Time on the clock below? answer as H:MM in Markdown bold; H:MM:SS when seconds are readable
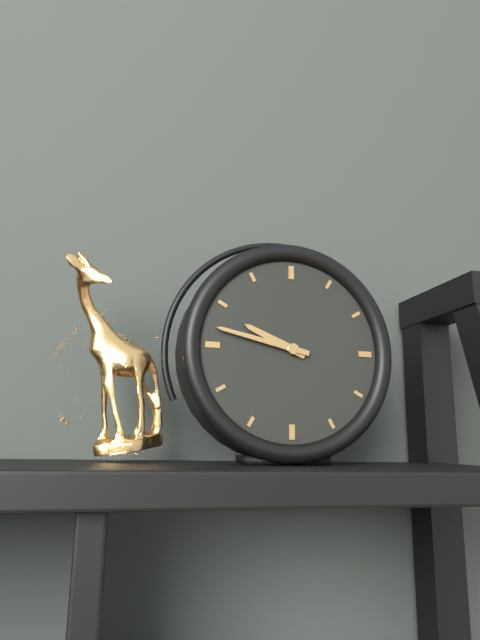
**9:47**
